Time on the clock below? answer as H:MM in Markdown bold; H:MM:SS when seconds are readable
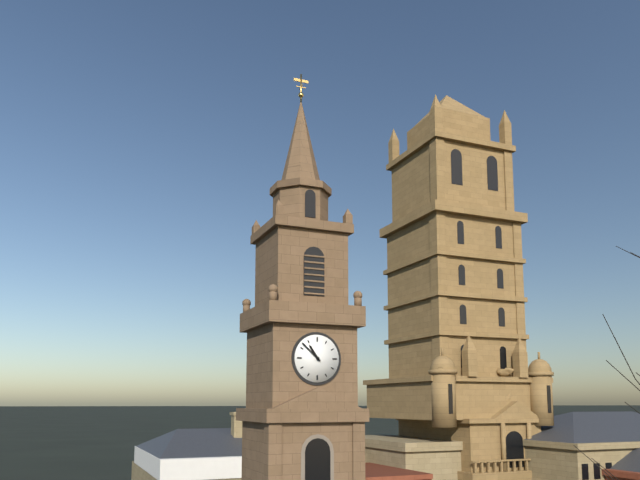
**10:52**
